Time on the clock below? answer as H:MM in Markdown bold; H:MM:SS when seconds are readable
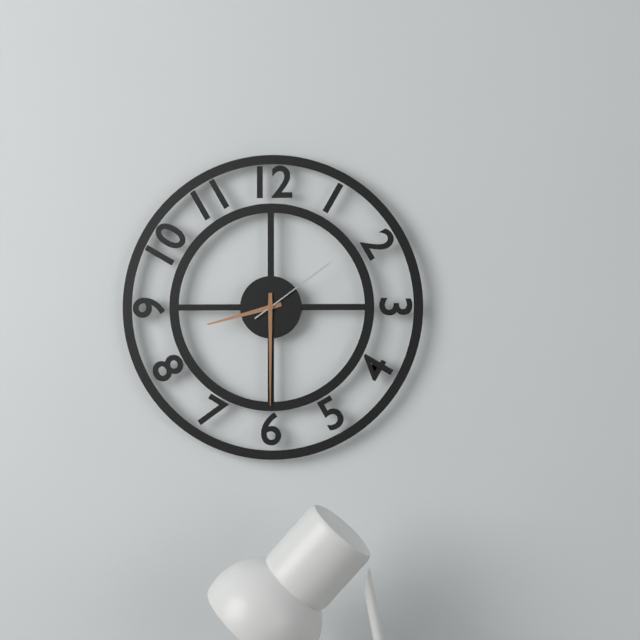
**8:30:09**
